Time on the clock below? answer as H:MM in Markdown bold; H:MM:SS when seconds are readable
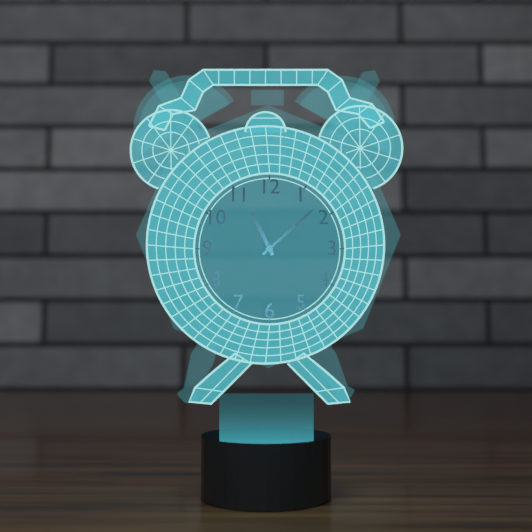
**11:08**
